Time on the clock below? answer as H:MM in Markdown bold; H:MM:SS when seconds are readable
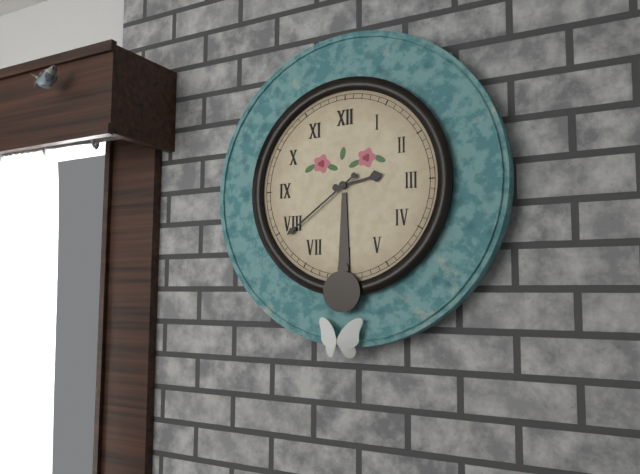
**2:39**
